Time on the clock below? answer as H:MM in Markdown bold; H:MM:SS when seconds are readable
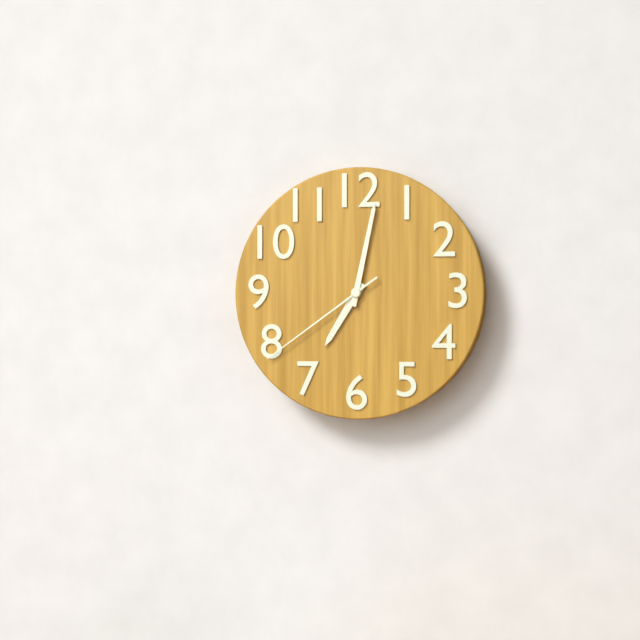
**7:02:39**
